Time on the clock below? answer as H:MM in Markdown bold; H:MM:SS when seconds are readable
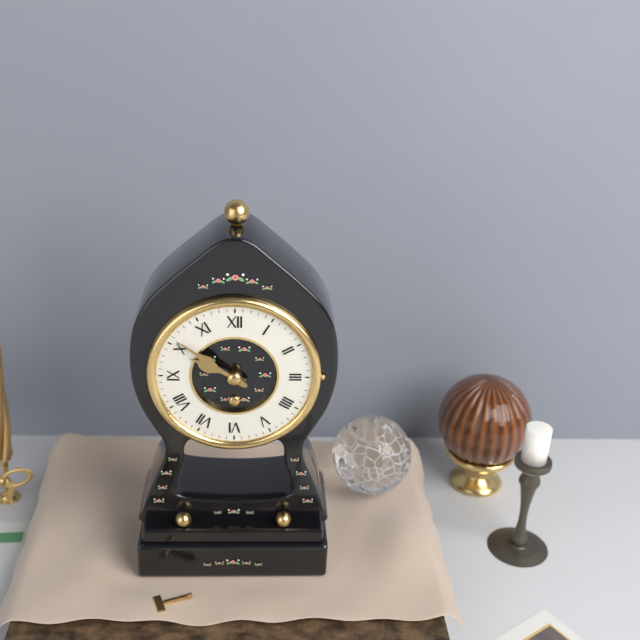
**9:51**
